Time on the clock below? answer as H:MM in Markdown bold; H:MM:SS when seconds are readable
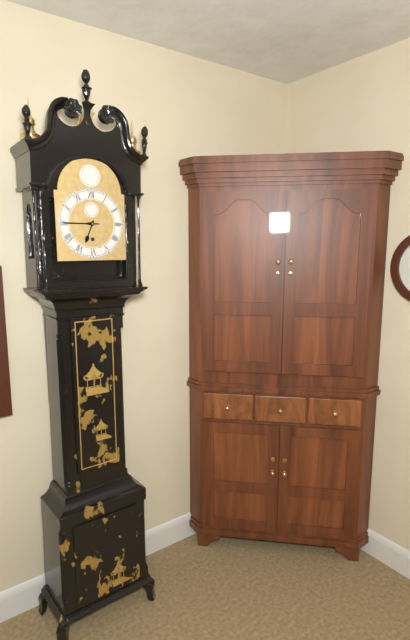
**6:45**
